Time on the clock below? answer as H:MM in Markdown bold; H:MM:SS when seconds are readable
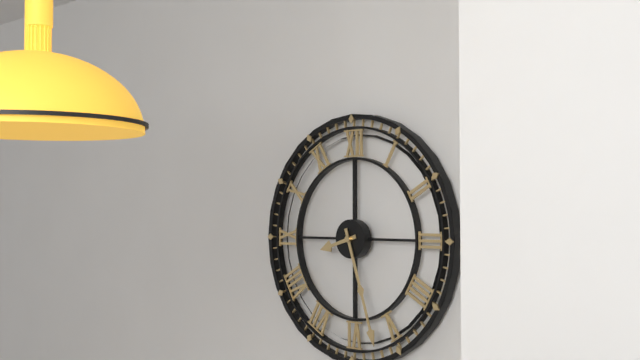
**8:27**
